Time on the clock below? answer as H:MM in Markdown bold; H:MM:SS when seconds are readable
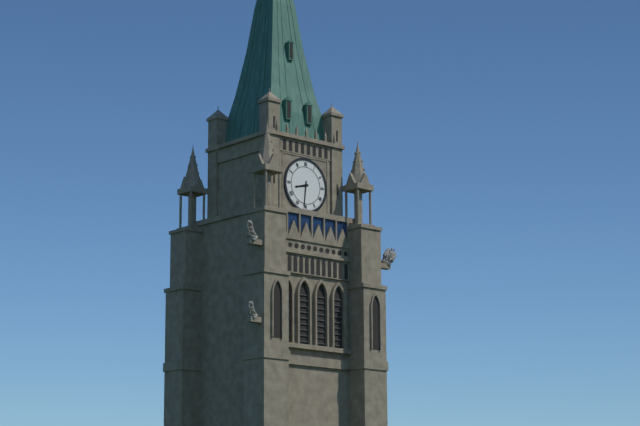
**8:31**
